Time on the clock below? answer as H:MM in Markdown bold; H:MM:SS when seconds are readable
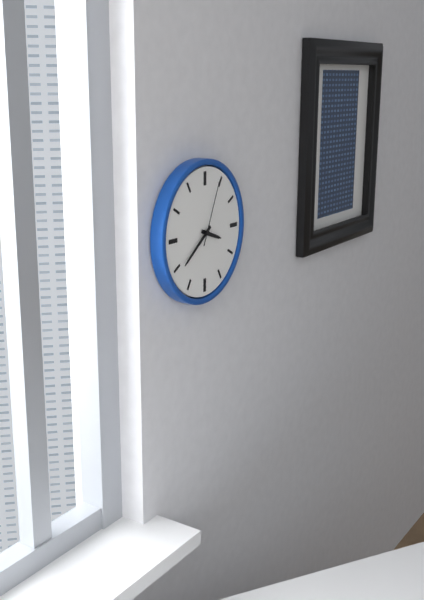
**3:39:04**
